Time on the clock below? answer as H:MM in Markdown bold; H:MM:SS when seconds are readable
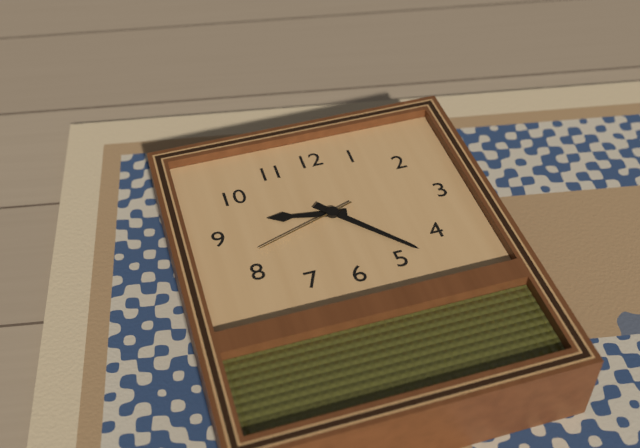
**9:23:42**
